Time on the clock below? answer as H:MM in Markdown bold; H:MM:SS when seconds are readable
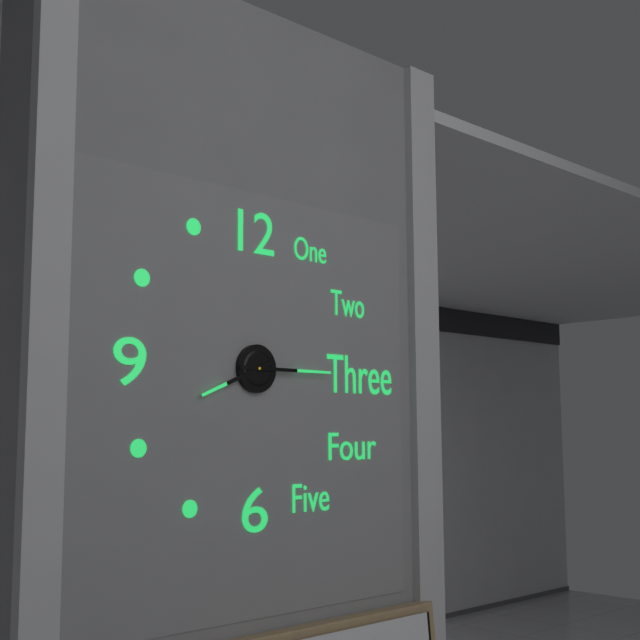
**8:15**
